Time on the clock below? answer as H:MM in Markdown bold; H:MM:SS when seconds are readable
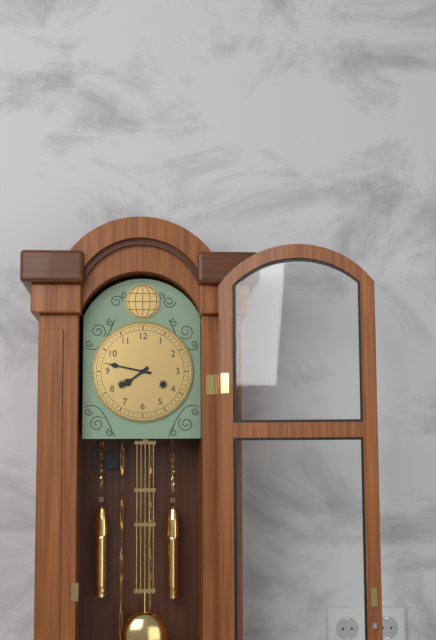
**7:47**
